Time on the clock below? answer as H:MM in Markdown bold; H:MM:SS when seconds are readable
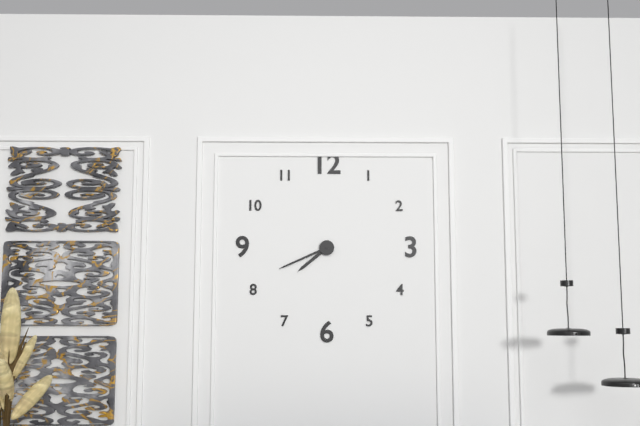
**7:41**
